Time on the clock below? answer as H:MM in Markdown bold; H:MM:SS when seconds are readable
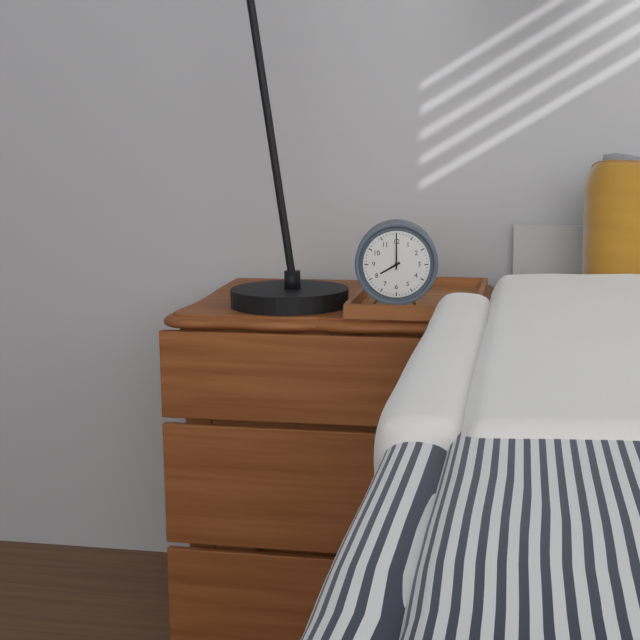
**8:00**
